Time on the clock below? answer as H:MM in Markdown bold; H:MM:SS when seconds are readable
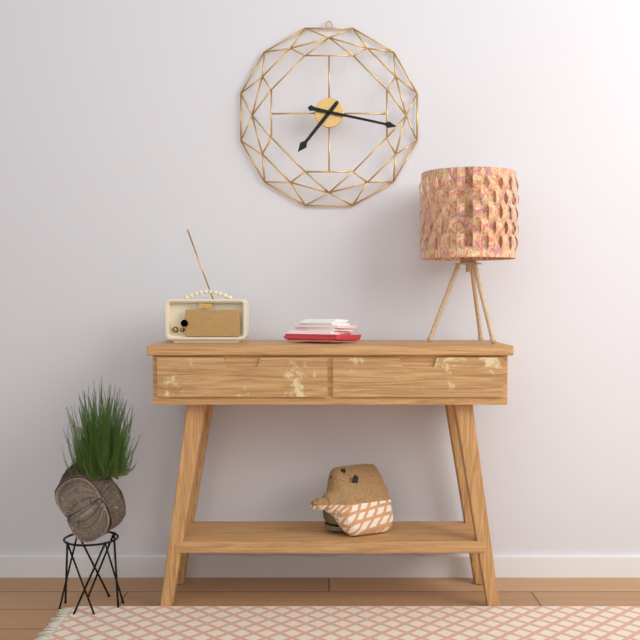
**7:17**
